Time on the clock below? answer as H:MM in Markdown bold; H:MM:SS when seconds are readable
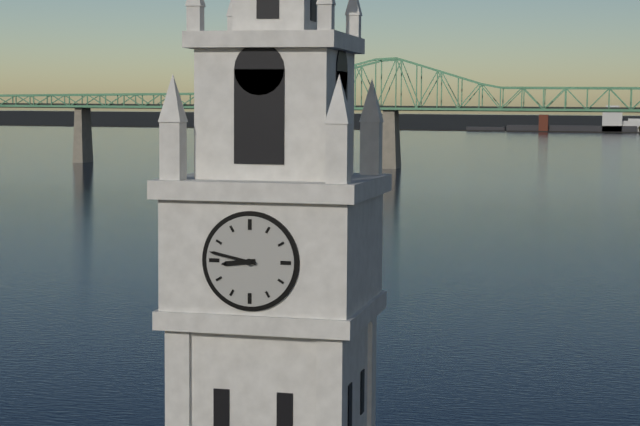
**8:47**
